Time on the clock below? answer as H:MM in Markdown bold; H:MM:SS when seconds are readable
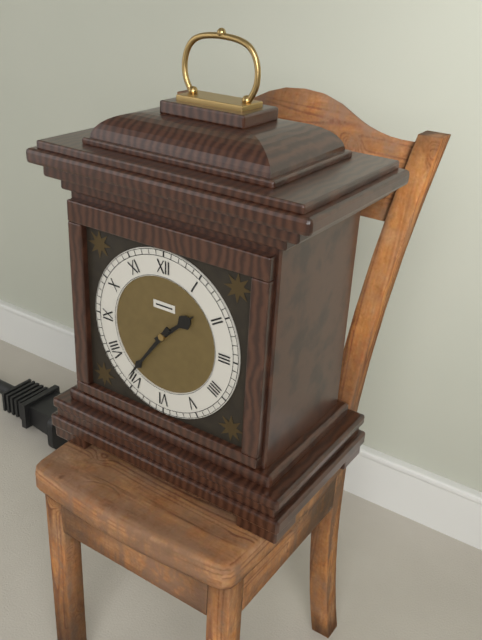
**1:36**
